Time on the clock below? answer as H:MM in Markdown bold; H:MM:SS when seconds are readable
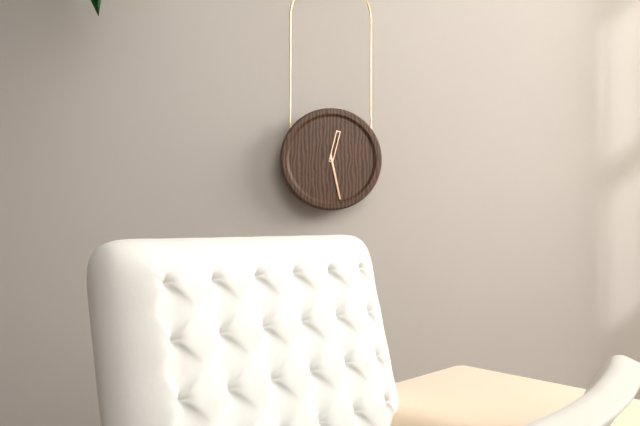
**12:28**
